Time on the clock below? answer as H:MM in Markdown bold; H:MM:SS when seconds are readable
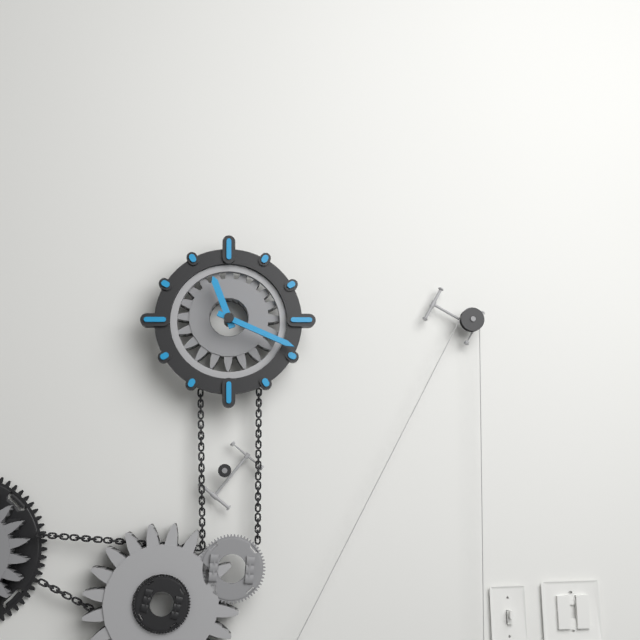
**11:19**
